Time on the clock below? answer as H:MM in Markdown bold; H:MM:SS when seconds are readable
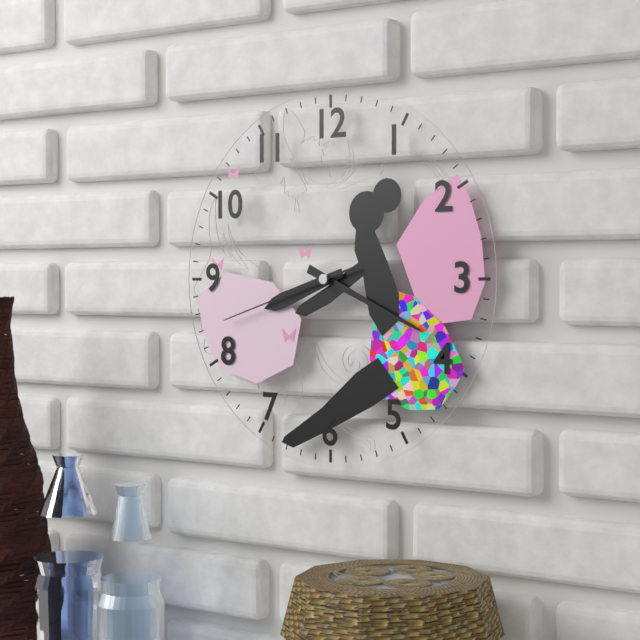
**8:19:42**
